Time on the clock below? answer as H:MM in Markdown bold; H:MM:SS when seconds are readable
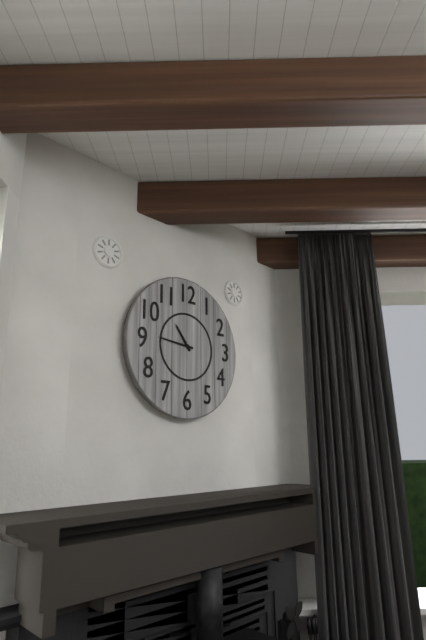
**10:46**
